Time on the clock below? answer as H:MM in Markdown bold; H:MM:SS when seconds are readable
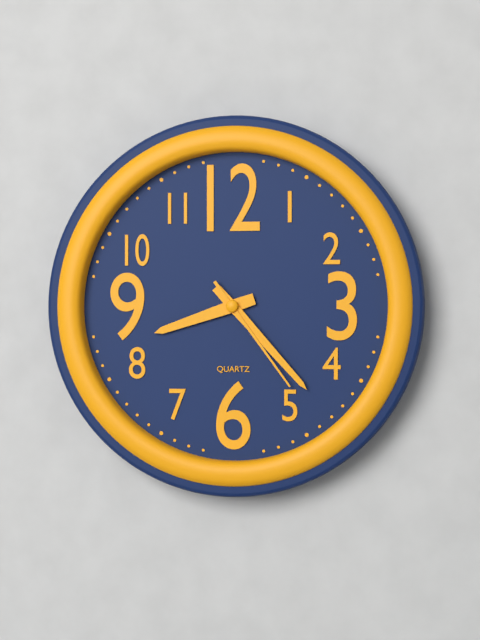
**8:23:24**
